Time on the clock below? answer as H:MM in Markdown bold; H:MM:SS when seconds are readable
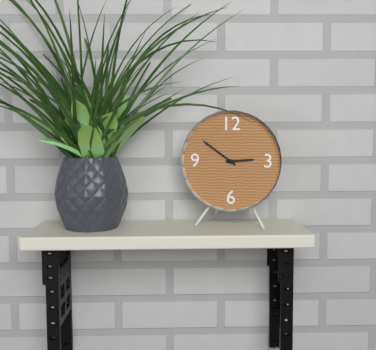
**2:51**
